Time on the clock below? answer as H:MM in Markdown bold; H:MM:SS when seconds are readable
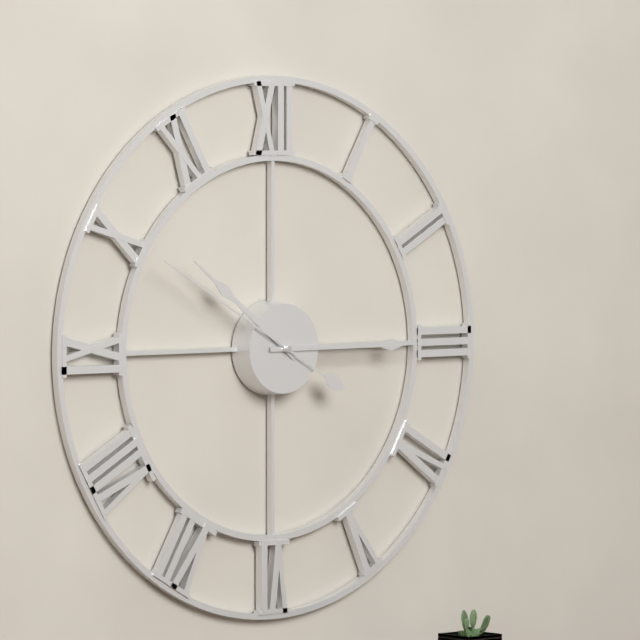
**10:15:50**
